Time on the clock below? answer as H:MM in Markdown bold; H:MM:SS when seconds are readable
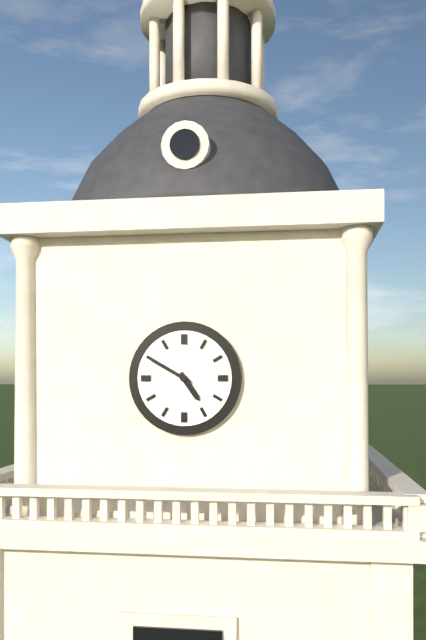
**4:50**
